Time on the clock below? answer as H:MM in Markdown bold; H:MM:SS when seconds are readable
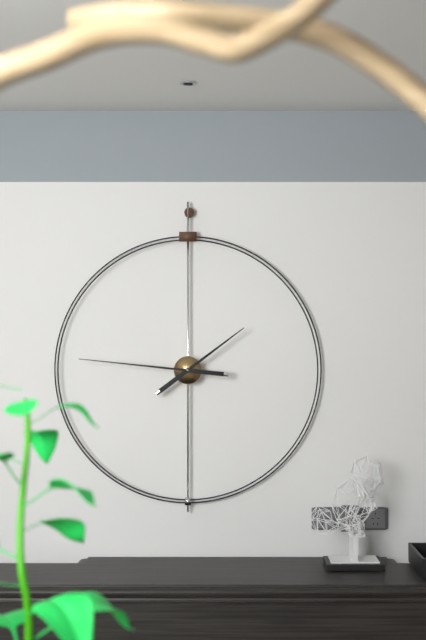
**1:46**
